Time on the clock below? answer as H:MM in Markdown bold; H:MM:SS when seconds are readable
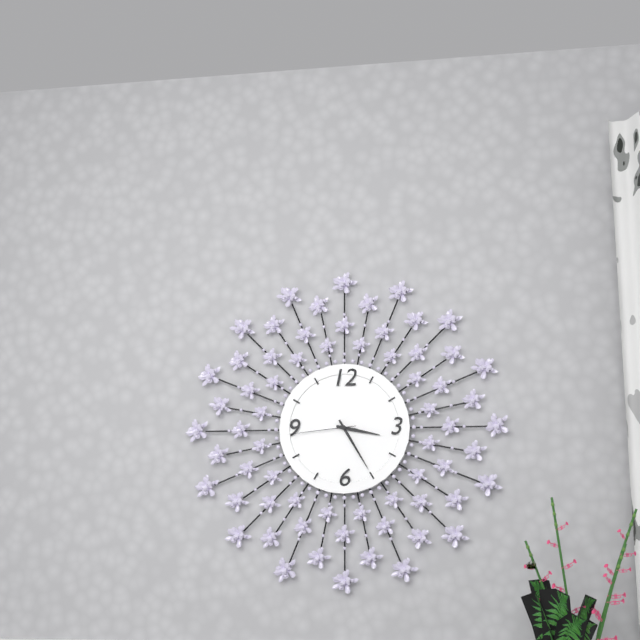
**3:25:44**
